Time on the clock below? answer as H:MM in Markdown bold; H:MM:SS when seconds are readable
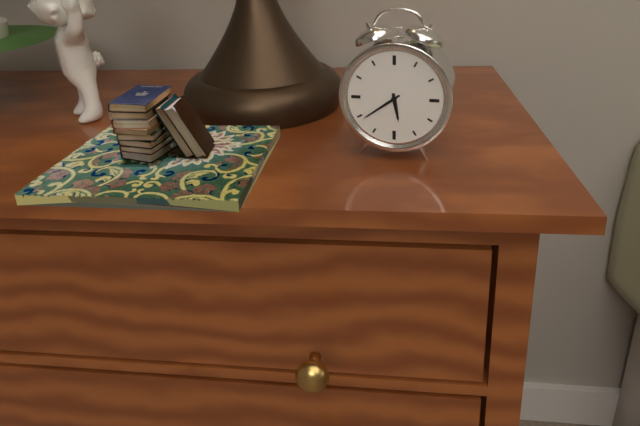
**5:39**
